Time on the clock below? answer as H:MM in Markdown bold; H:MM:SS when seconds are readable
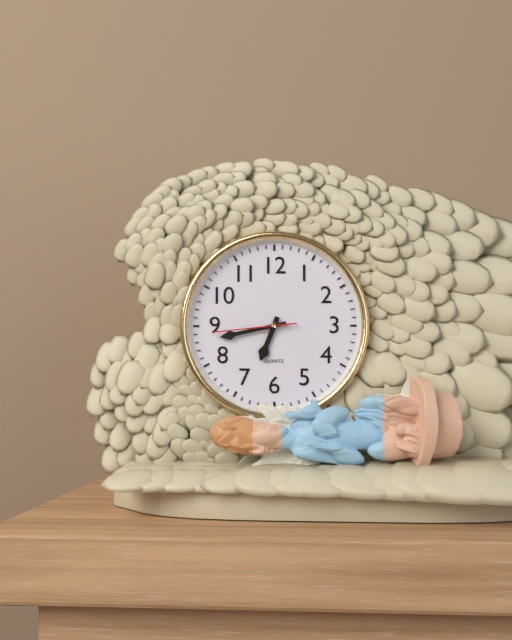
**6:43:44**
